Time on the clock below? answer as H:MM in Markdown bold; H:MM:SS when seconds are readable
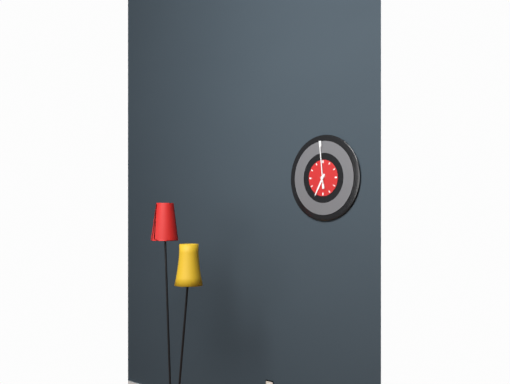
**6:59**
